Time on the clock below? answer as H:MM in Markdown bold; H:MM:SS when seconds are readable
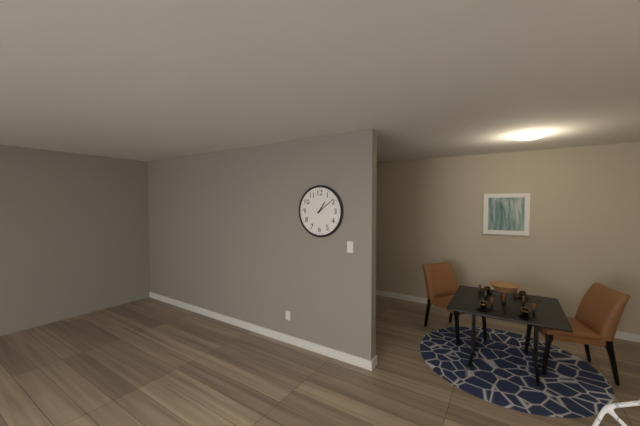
**1:09**
